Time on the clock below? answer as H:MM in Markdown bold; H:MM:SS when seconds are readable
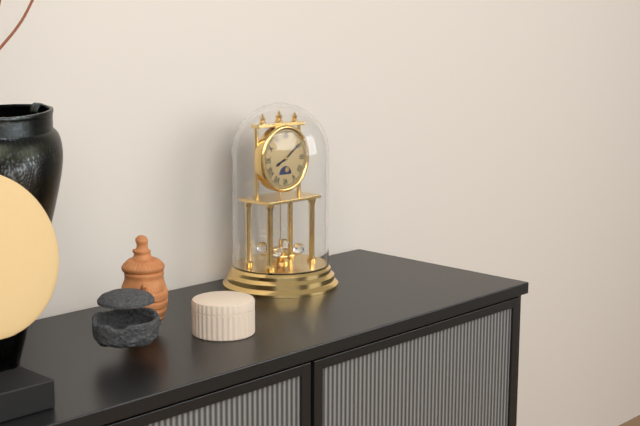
**8:09**
